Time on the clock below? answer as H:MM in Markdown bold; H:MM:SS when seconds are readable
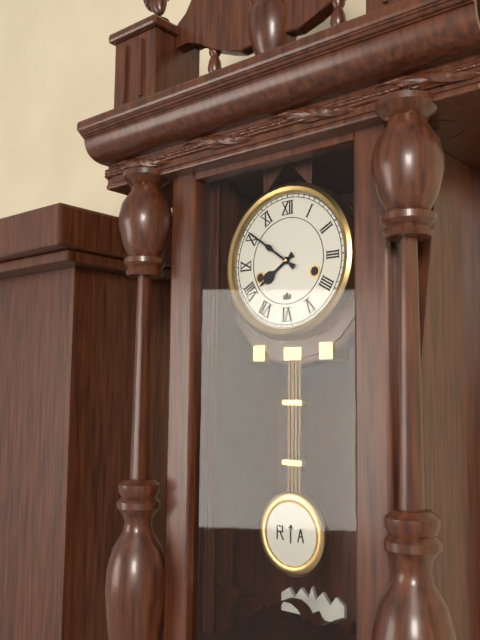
**7:51**
